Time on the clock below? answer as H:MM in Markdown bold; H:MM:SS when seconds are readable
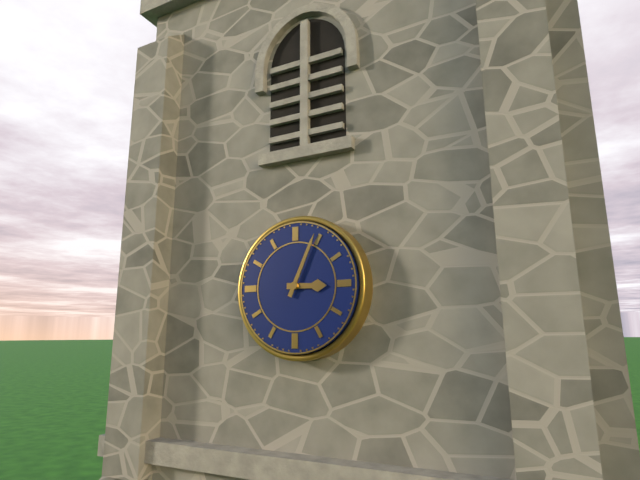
**3:04**
